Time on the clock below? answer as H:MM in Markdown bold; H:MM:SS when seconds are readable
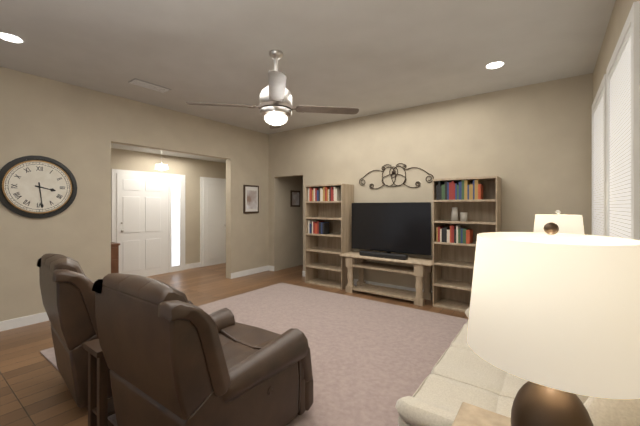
**3:29**
